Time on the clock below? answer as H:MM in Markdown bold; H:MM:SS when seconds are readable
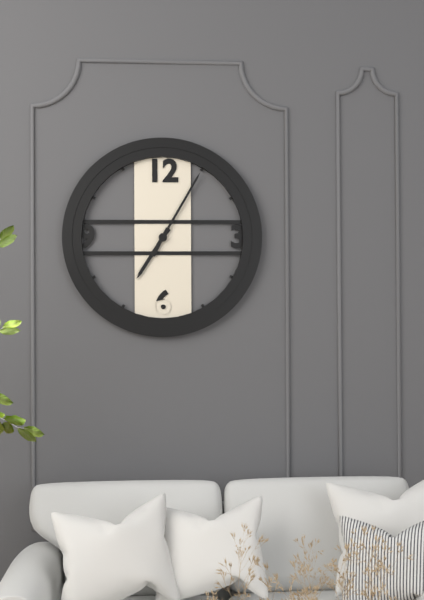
**7:05**
